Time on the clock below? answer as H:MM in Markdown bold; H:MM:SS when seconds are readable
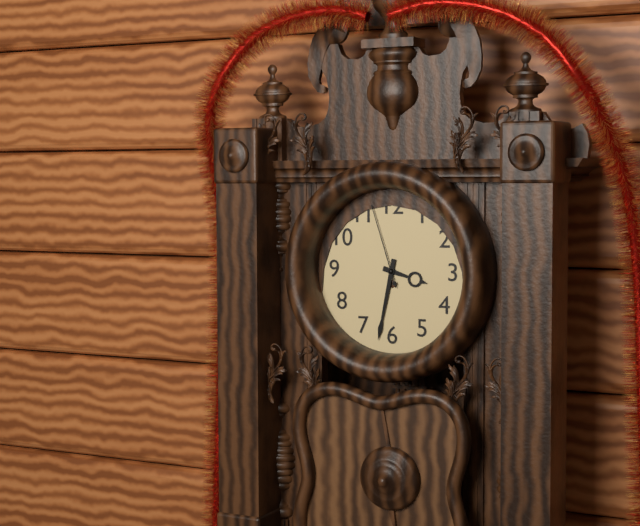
**3:32:57**
